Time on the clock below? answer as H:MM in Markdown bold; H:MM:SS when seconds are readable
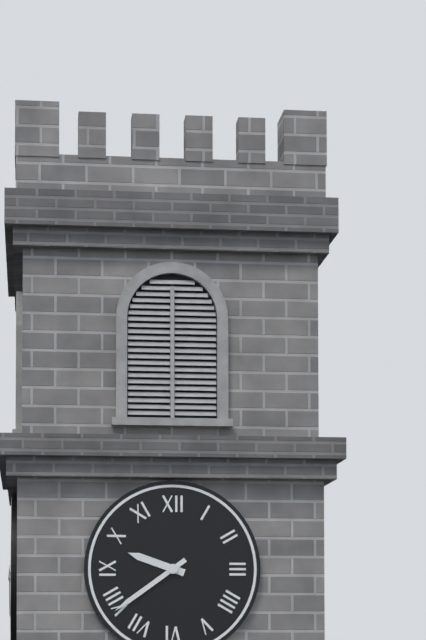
**9:39**
